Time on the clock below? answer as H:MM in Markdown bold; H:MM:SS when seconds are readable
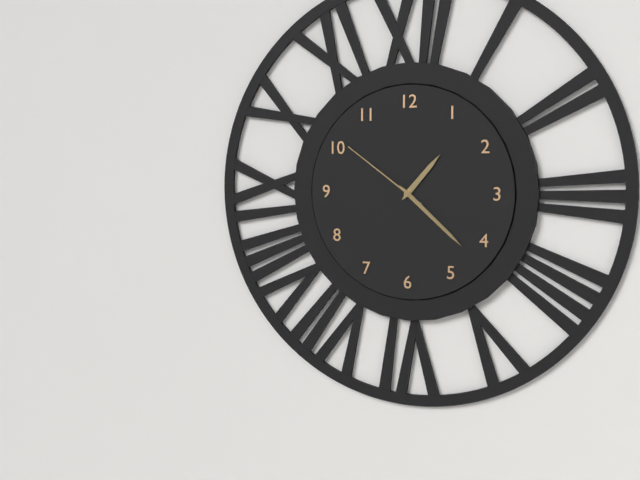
**1:22:51**
